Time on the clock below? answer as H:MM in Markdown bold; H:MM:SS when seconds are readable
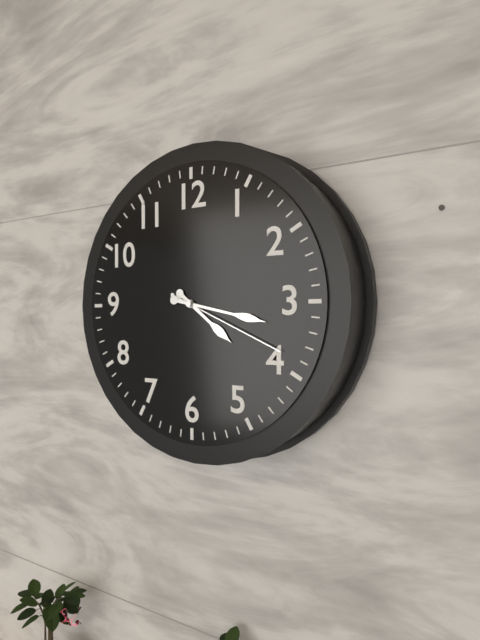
**4:17:19**
